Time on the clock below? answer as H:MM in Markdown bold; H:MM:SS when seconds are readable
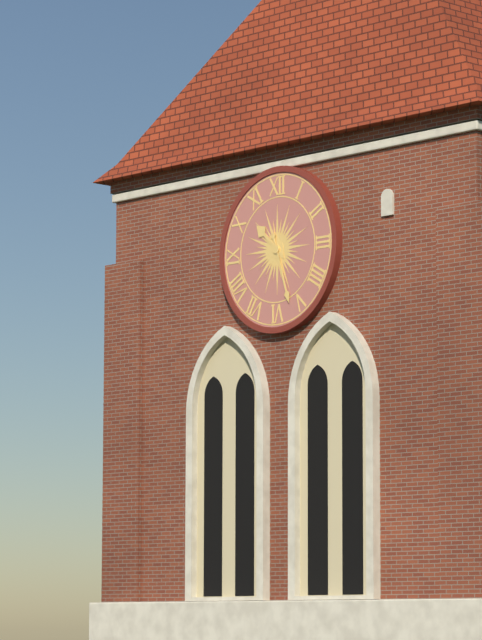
**10:27**
